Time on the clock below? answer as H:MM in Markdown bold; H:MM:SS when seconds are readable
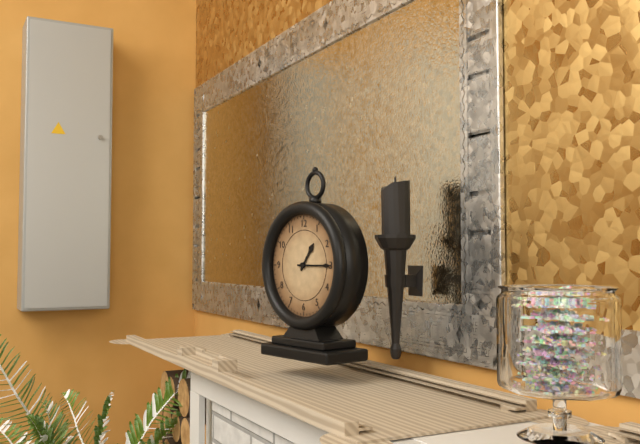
**1:15**
